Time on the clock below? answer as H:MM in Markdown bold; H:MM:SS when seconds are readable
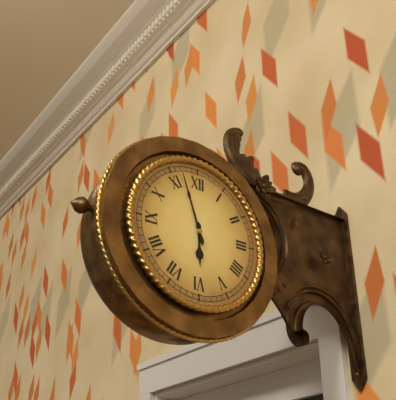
**5:57**
